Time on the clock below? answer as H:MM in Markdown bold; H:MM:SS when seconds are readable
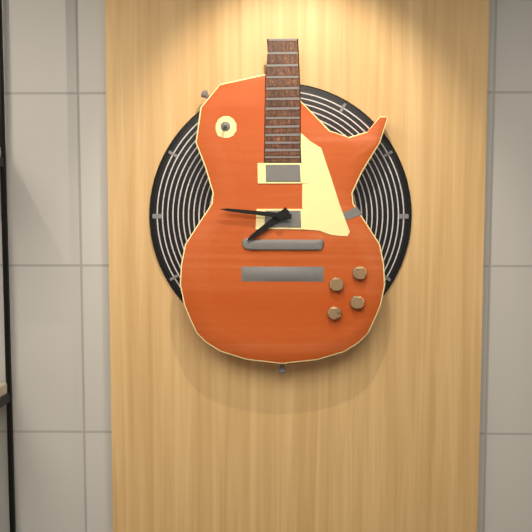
**7:46**
